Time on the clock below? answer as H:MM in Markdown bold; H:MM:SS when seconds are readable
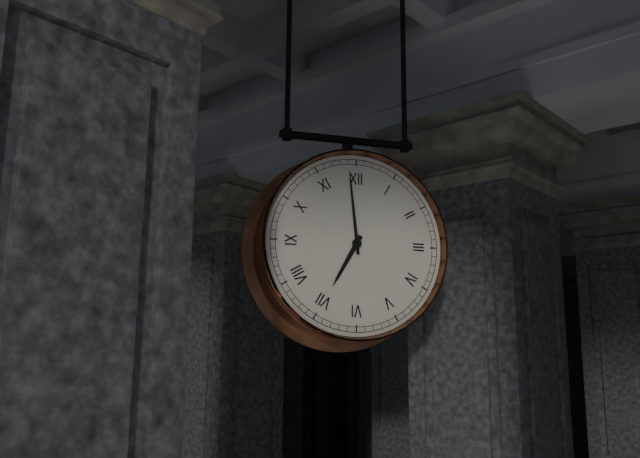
**6:59**
